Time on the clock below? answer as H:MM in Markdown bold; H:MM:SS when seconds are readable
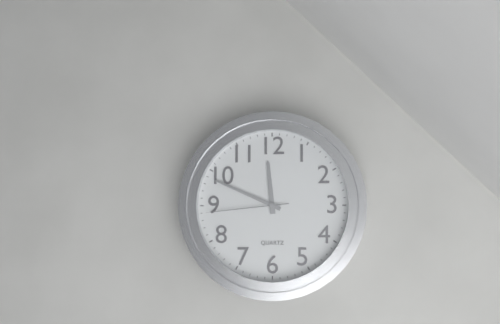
**11:49:44**
